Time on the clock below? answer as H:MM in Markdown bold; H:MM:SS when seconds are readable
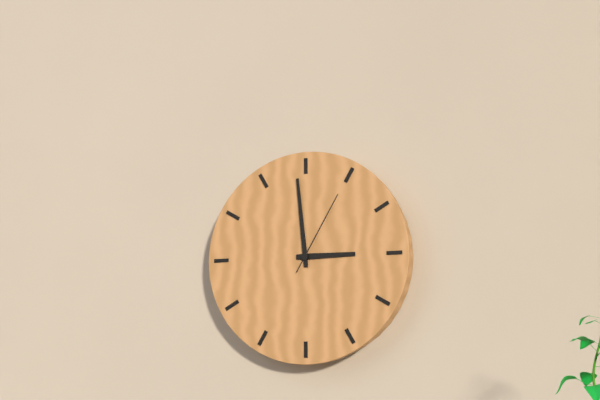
**2:59:05**
